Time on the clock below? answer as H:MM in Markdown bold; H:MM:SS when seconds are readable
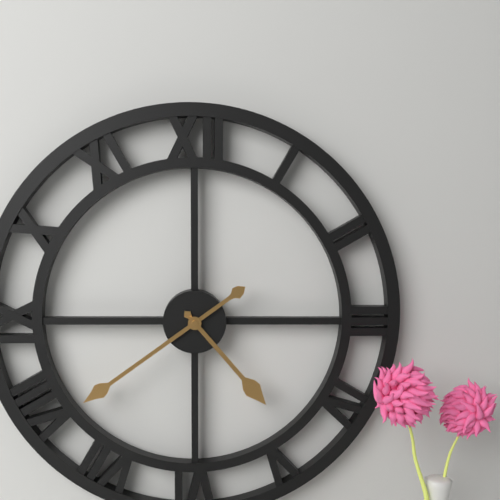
**4:39**
